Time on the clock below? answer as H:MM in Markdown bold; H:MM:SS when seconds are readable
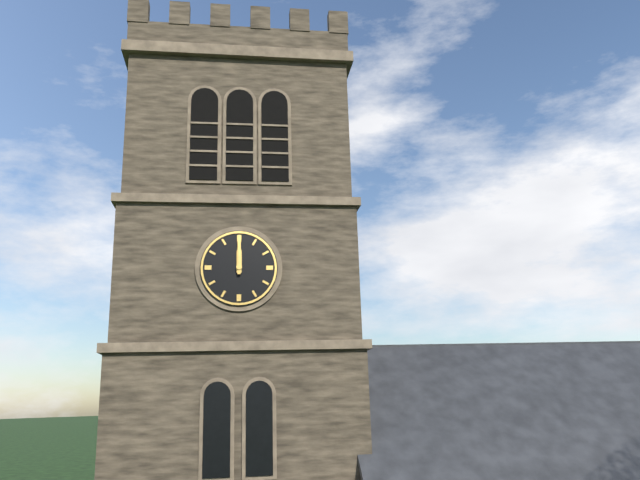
**12:00**
